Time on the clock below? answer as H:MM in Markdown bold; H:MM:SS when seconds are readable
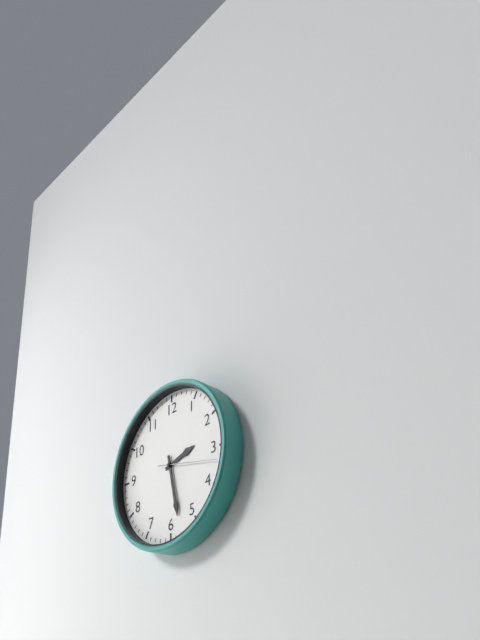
**2:28**
